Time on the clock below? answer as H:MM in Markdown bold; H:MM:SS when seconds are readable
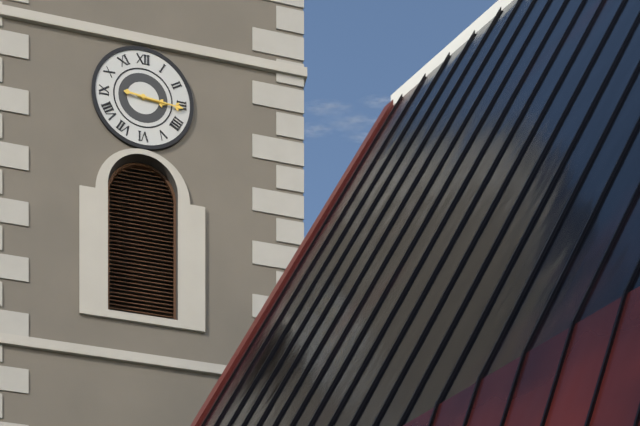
**3:16**
